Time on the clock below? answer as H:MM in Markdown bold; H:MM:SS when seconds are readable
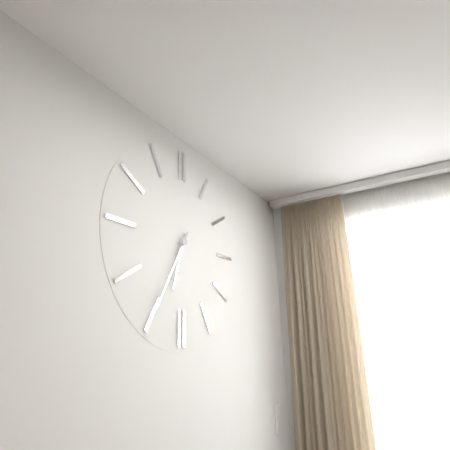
**6:35**
